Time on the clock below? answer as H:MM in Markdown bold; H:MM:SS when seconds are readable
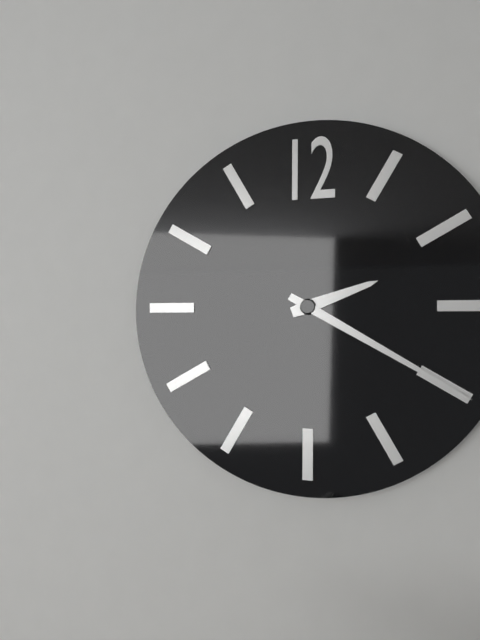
**2:20**
